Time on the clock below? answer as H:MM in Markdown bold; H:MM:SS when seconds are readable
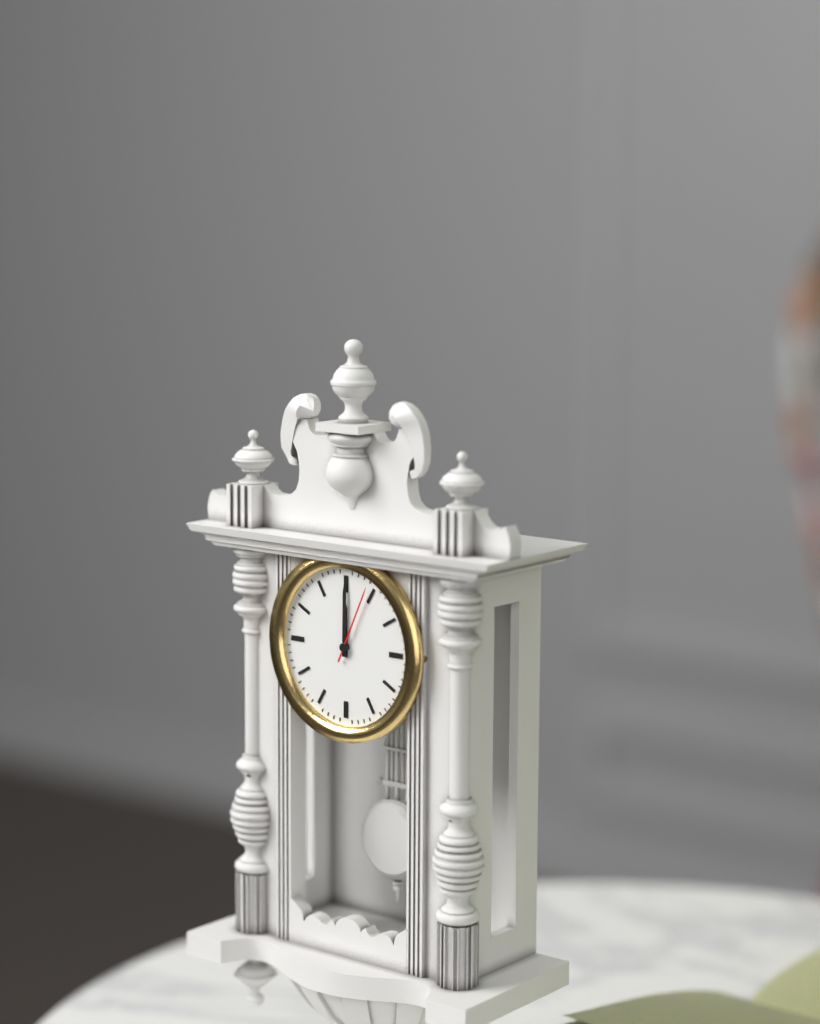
**12:00:04**
